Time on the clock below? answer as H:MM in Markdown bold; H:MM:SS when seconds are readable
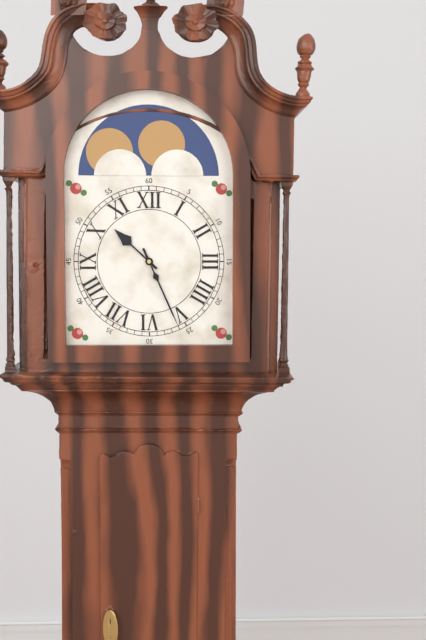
**10:26**
